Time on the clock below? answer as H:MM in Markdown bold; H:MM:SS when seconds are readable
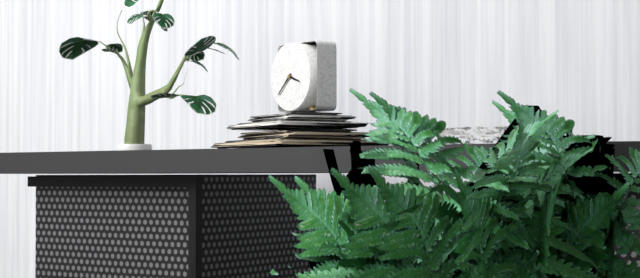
**3:38**
